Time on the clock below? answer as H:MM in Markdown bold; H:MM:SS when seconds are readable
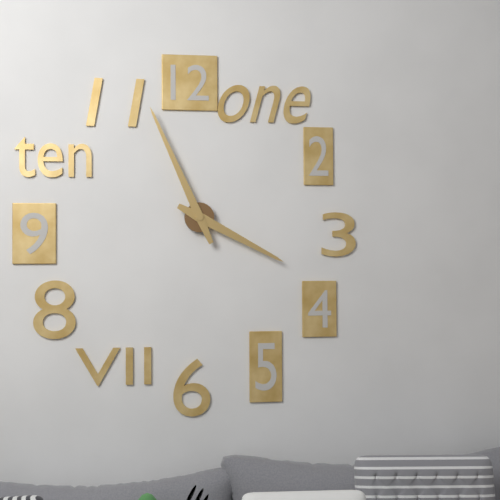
**3:56**
